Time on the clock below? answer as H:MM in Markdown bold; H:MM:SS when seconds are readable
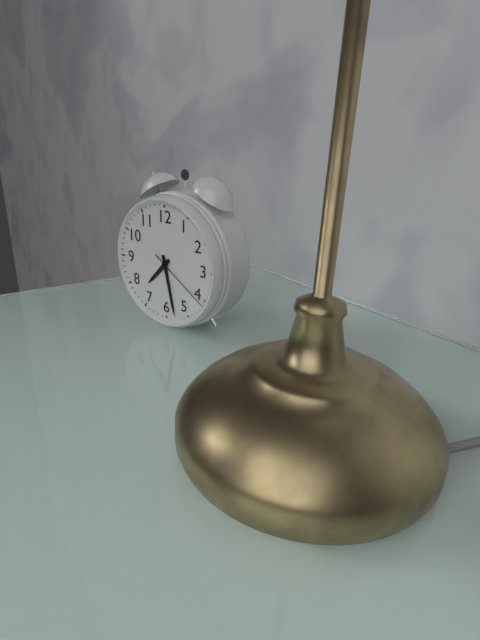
**7:28:21**
